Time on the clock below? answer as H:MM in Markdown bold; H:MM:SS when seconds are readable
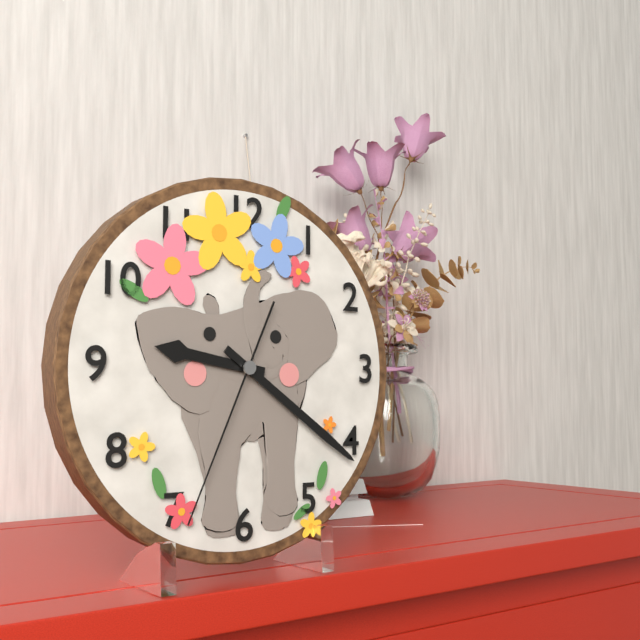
**9:21:34**
